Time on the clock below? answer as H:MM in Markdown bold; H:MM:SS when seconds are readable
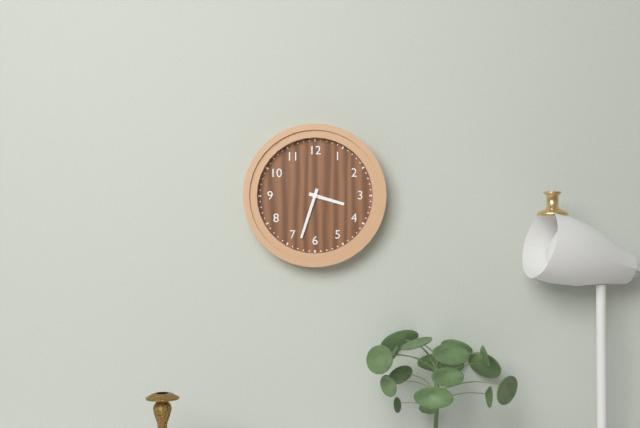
**3:33**
